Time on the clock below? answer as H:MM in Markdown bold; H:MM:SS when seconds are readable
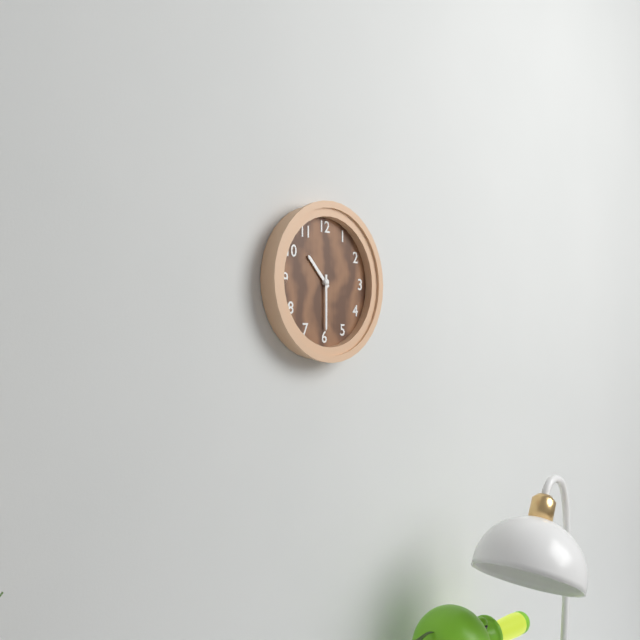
**10:30**
